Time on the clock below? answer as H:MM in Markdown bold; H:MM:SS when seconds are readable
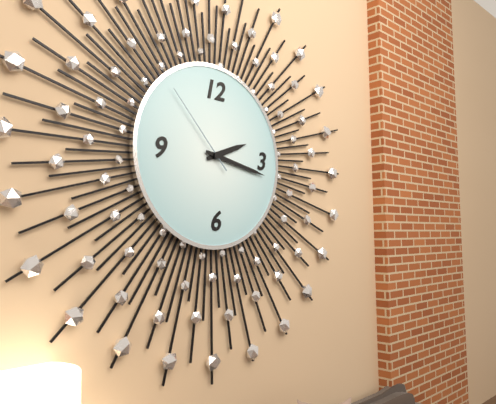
**2:17:53**
